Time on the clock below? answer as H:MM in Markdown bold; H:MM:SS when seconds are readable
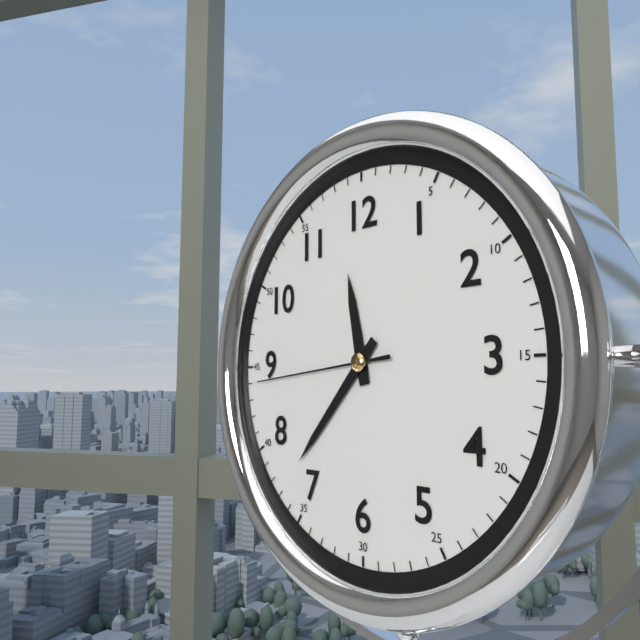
**11:37:44**
